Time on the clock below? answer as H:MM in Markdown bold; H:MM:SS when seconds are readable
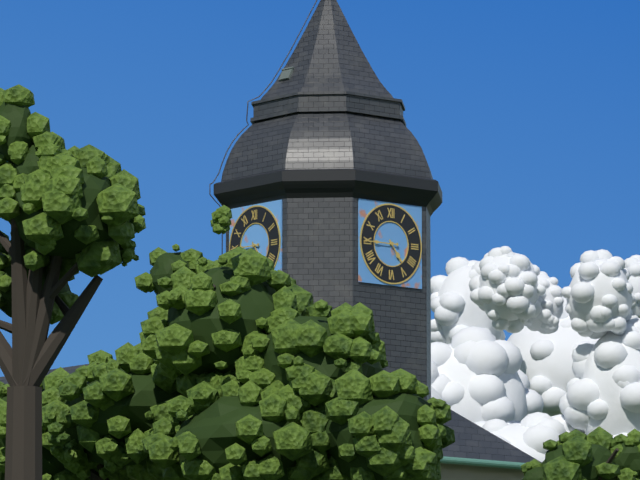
**4:45**
